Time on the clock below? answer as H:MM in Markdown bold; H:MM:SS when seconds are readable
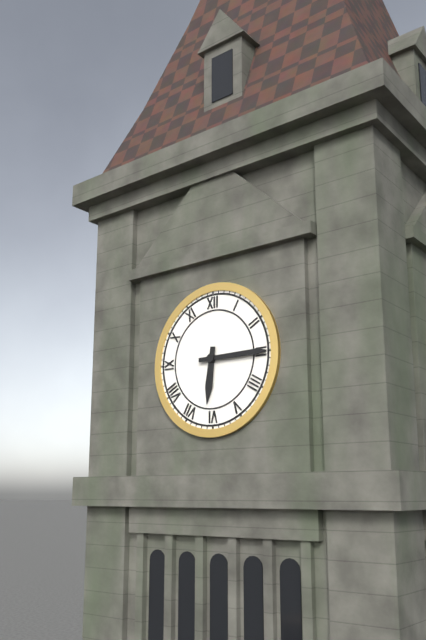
**6:15**
